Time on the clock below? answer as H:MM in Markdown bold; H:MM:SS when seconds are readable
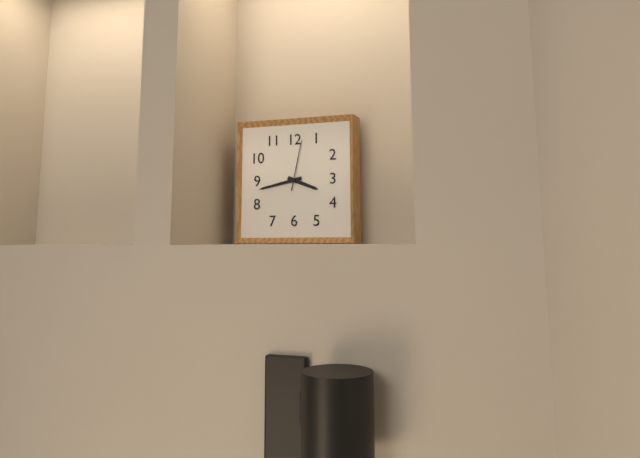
**3:43:02**
